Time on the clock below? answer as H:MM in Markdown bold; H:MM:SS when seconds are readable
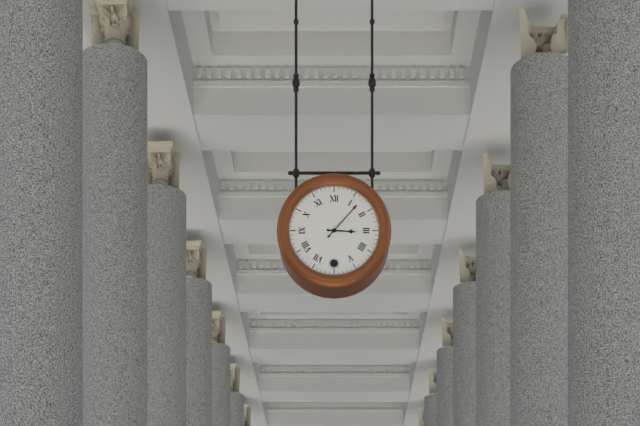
**3:07**
